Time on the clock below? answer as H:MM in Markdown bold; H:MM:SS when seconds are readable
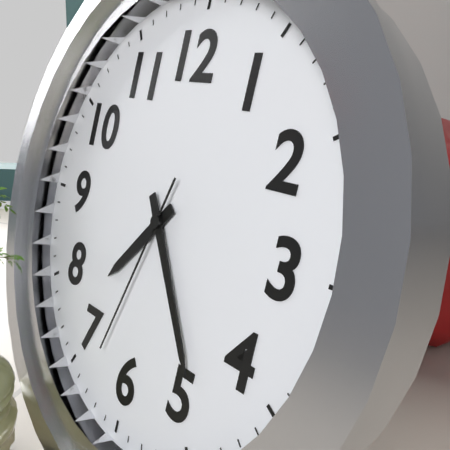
**7:24:33**
